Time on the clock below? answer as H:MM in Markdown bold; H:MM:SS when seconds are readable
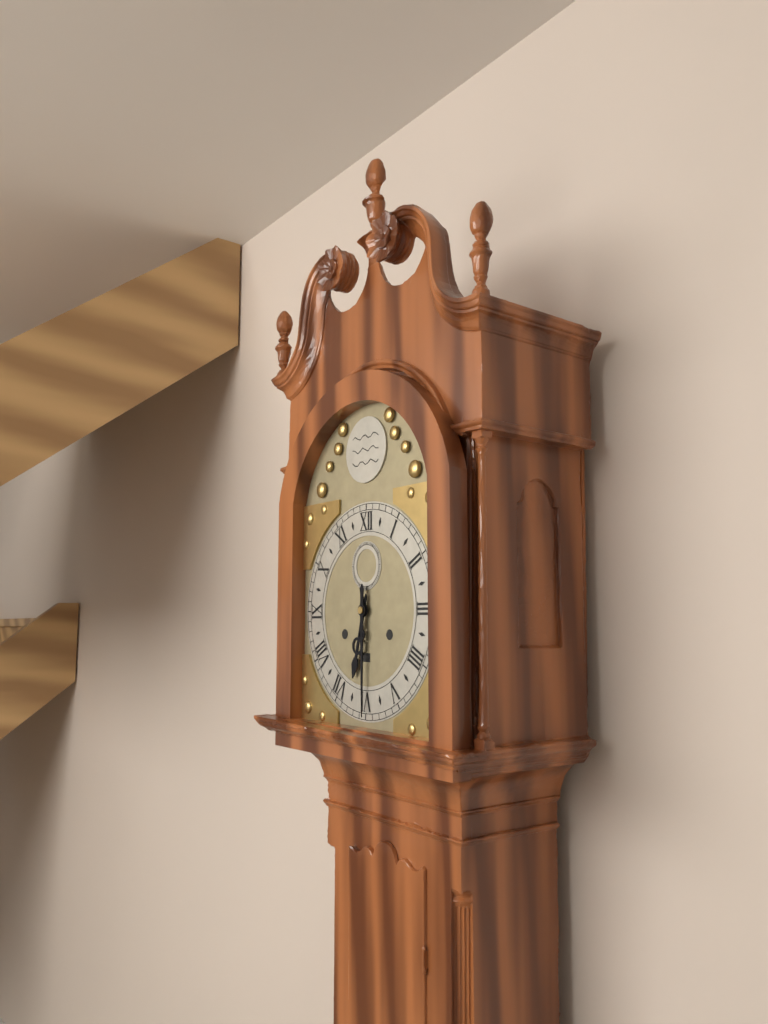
**6:30**
